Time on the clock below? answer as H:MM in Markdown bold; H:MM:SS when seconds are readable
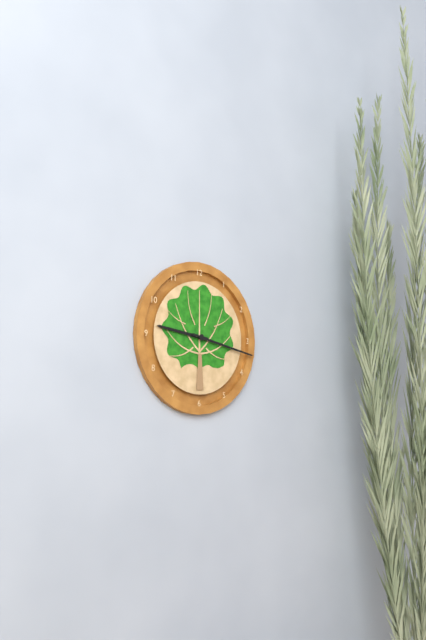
**9:17**
